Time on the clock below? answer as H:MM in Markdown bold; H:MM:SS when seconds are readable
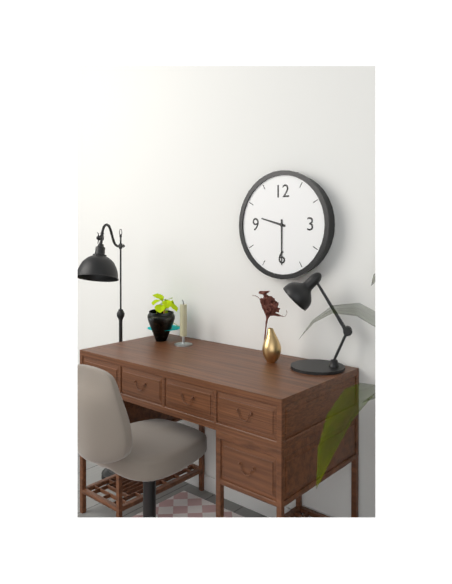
**9:30**
